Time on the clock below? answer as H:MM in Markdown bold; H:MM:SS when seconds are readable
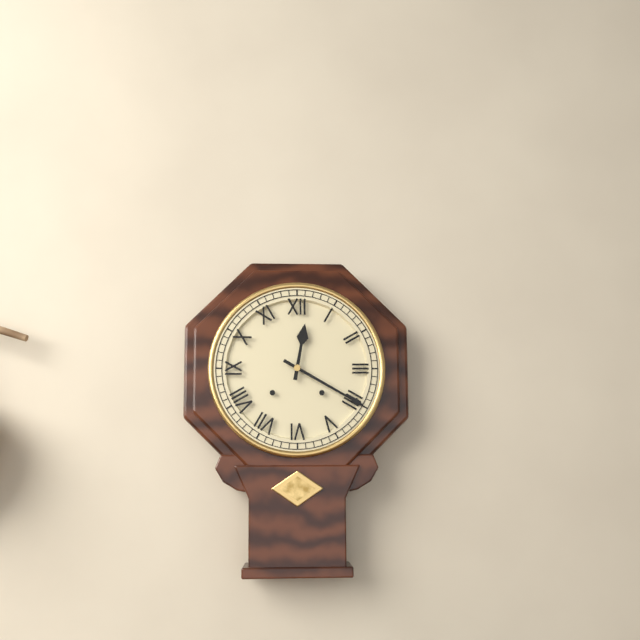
**12:20**
